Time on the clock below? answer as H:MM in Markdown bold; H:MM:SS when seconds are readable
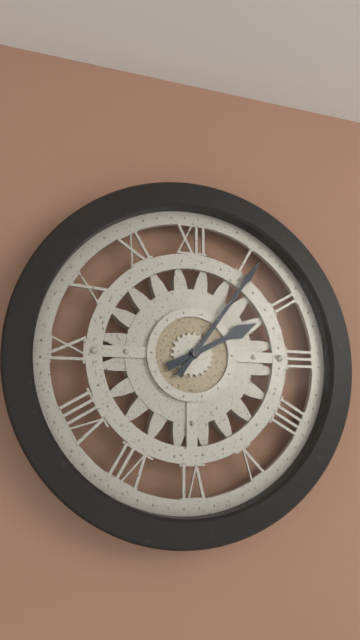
**2:06**
